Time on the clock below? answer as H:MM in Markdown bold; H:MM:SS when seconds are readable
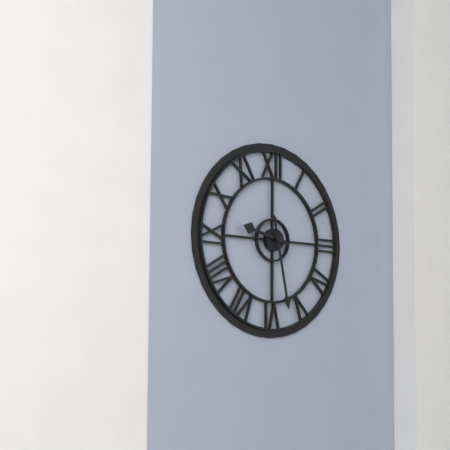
**9:28**
